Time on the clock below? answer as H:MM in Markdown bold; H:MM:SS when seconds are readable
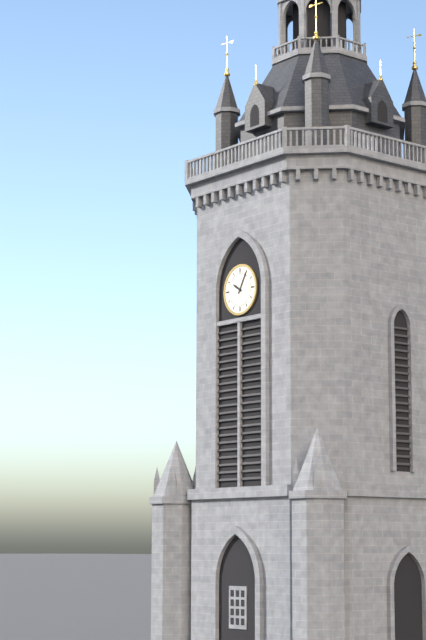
**10:05**
